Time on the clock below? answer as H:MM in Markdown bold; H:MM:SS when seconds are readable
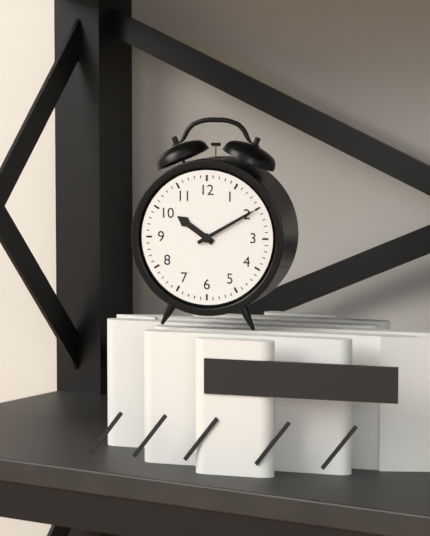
**10:10**
